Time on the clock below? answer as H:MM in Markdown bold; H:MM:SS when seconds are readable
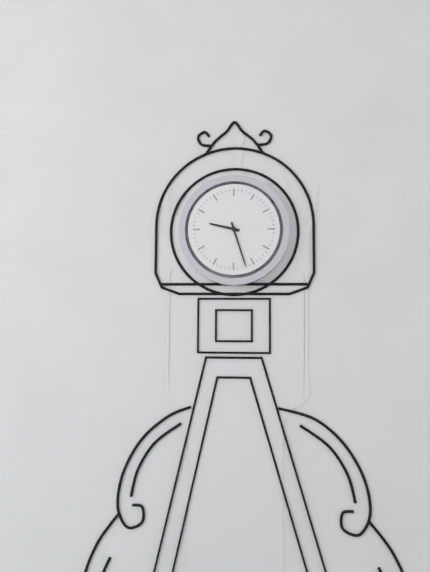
**9:27**
